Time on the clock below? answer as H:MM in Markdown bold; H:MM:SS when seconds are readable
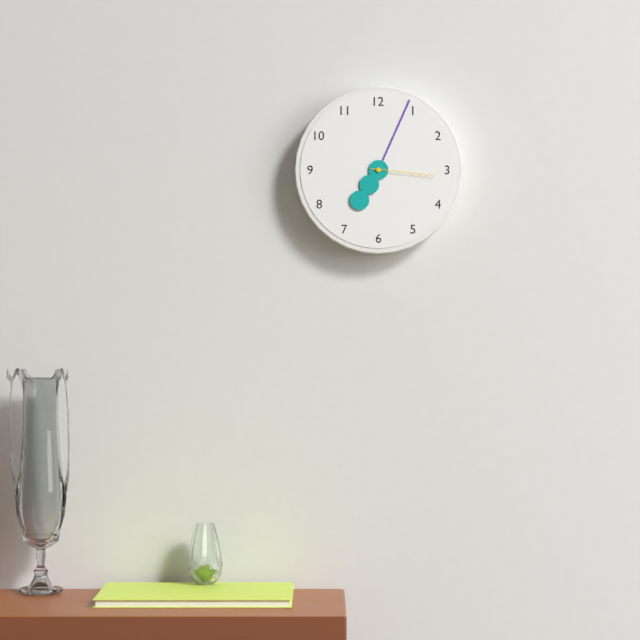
**7:04:16**
